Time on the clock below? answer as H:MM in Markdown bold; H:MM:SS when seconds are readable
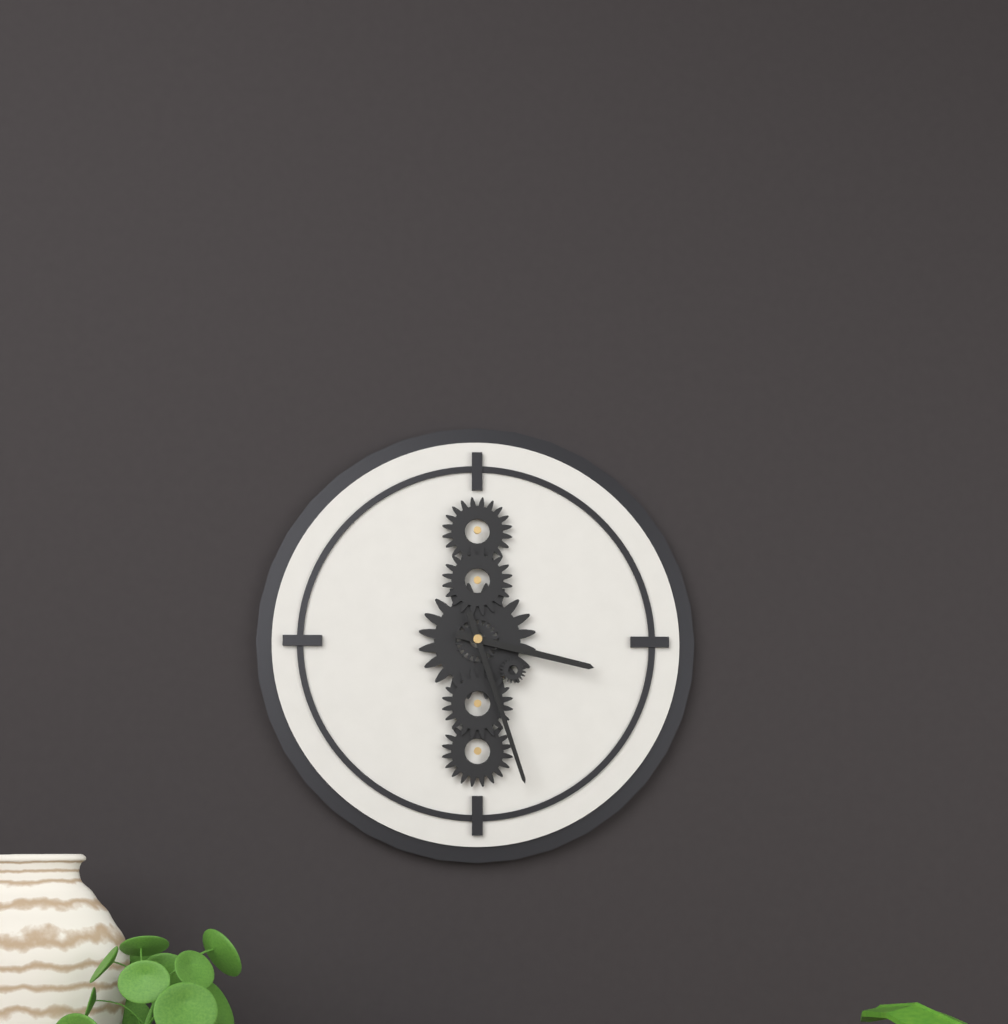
**3:27**
